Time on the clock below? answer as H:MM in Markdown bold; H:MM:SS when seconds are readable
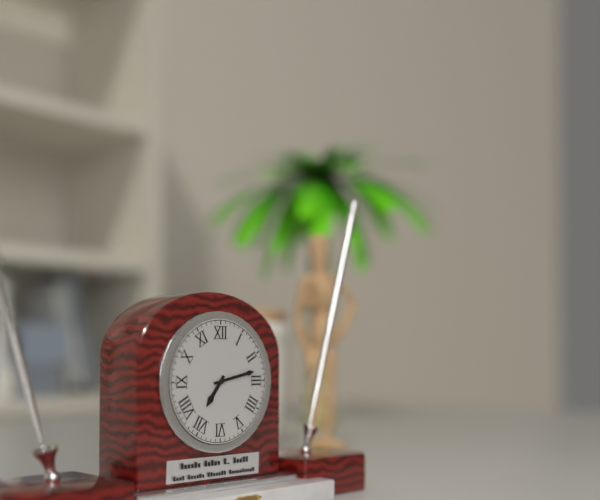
**7:13**
